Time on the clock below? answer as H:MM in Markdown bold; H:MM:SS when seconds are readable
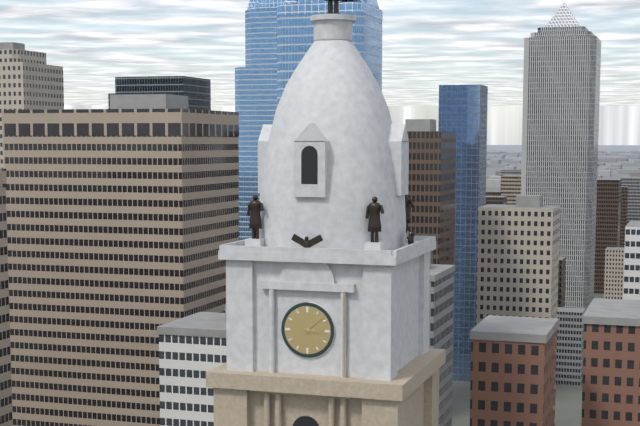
**3:08**
